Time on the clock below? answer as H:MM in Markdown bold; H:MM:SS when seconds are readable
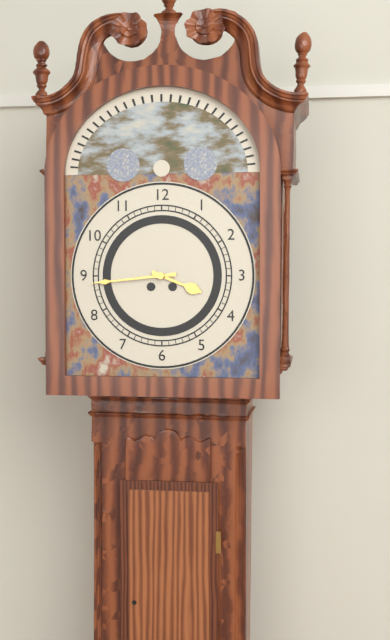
**3:44**
